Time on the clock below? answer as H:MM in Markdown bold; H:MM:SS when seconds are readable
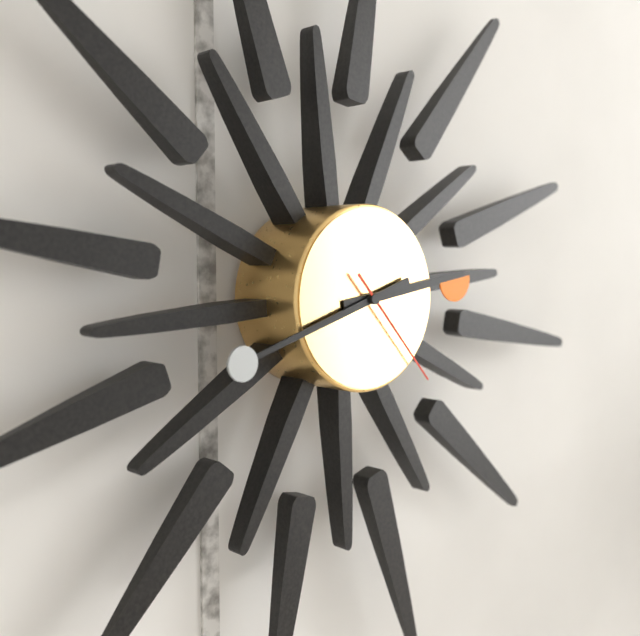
**2:42:23**
